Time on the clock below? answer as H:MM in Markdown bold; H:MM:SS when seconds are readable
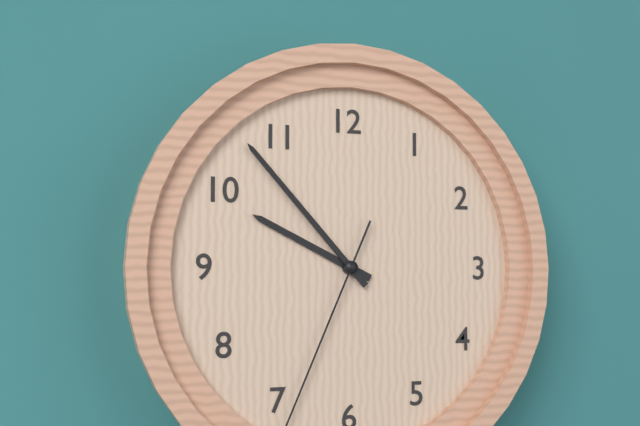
**9:53**
